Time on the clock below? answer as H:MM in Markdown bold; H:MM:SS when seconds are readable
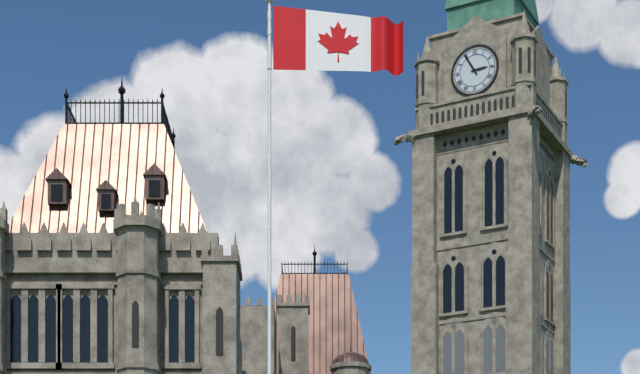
**2:55**
